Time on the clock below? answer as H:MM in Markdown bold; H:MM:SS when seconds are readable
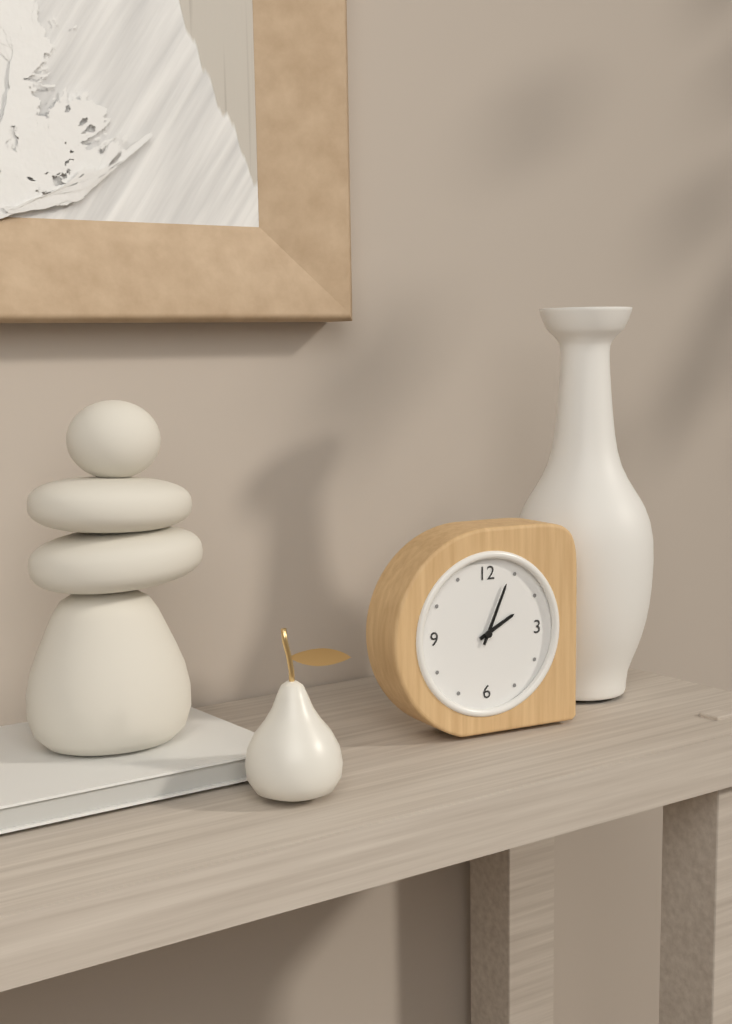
**2:04**
